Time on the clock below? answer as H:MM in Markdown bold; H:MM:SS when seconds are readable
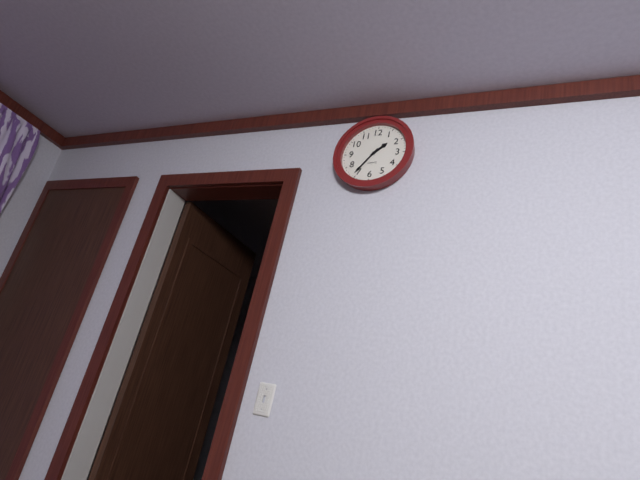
**1:36**
